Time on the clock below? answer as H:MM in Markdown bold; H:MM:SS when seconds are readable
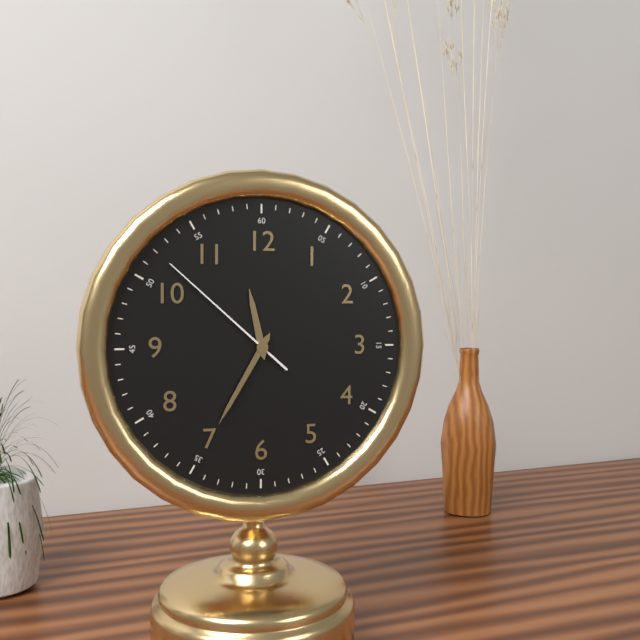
**11:35:52**
